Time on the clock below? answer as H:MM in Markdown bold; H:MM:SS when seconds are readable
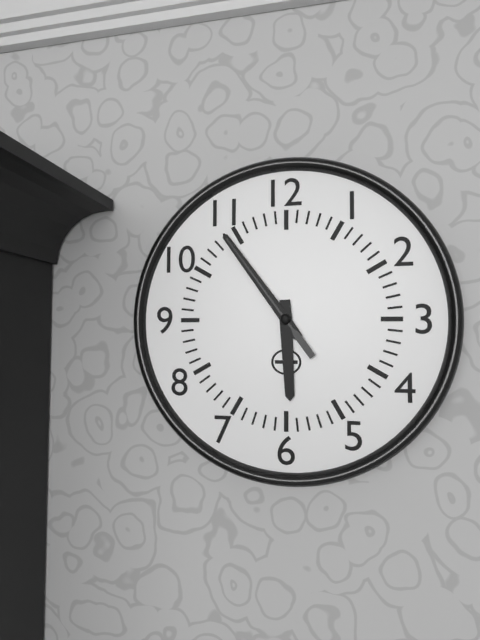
**5:54:54**
